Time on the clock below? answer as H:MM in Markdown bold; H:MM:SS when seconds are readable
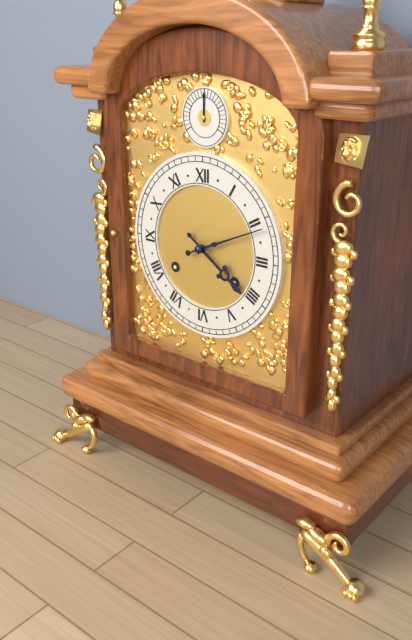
**4:11**
